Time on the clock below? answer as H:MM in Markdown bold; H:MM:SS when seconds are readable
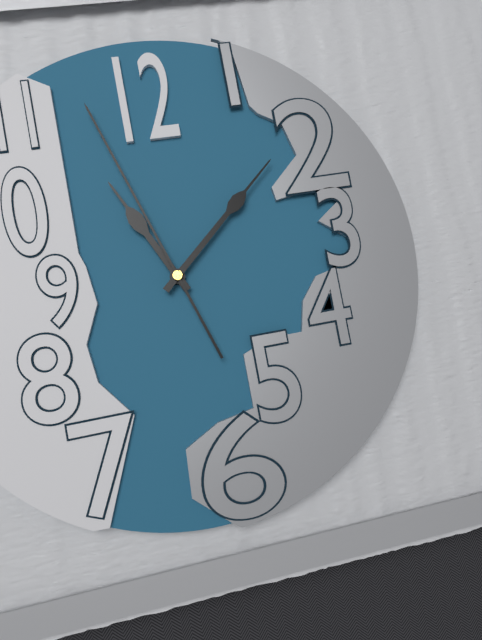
**11:08:57**
